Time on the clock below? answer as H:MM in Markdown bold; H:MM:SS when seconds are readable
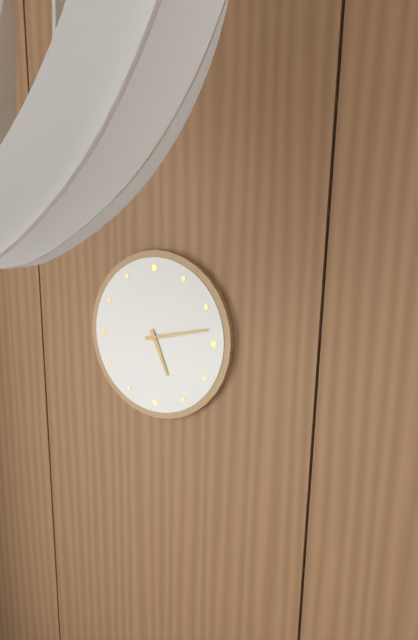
**5:13**
